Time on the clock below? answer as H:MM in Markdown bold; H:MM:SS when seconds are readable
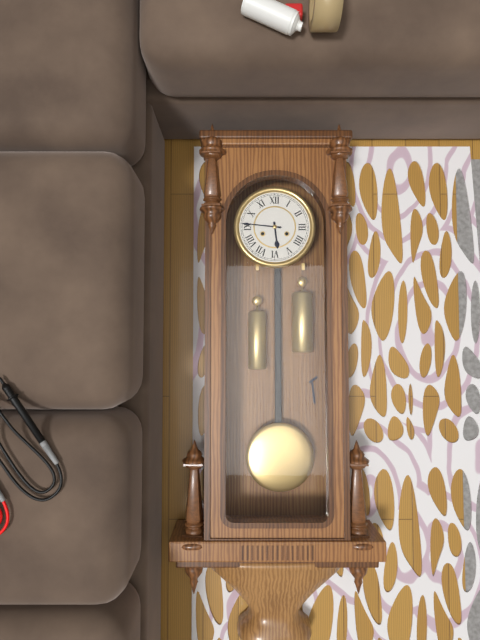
**5:46**
